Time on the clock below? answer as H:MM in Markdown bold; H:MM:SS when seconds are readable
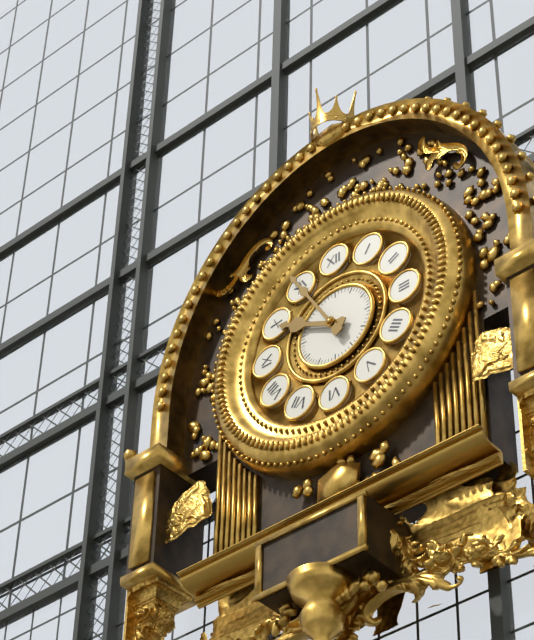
**9:55**
